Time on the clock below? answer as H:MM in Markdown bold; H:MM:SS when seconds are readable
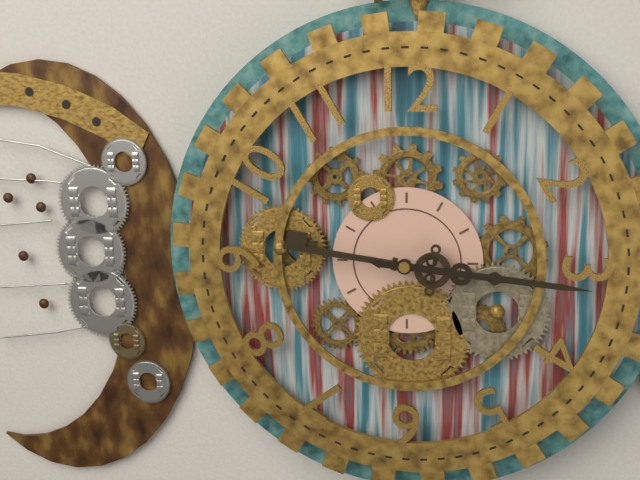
**9:16**
